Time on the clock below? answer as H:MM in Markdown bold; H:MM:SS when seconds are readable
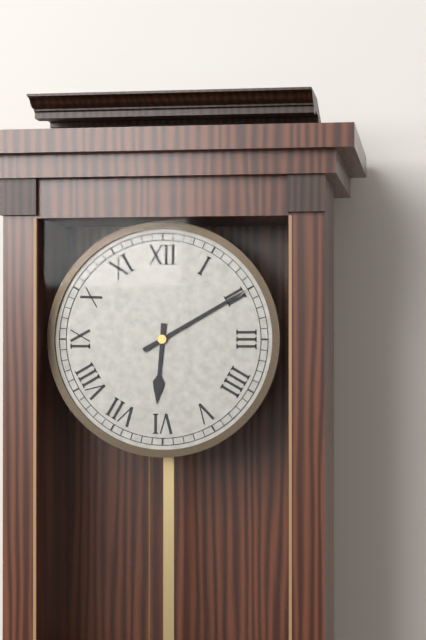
**6:10**
